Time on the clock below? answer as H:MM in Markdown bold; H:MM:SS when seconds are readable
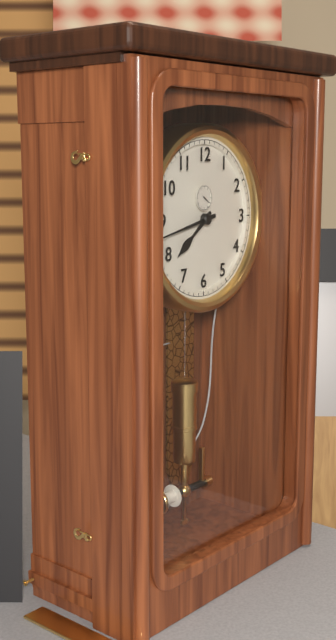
**7:43**
